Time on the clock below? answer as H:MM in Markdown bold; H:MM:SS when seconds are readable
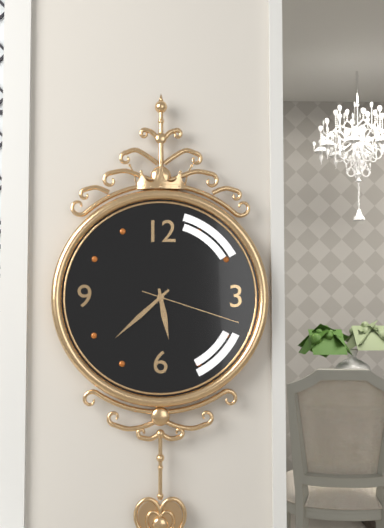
**5:38:18**
